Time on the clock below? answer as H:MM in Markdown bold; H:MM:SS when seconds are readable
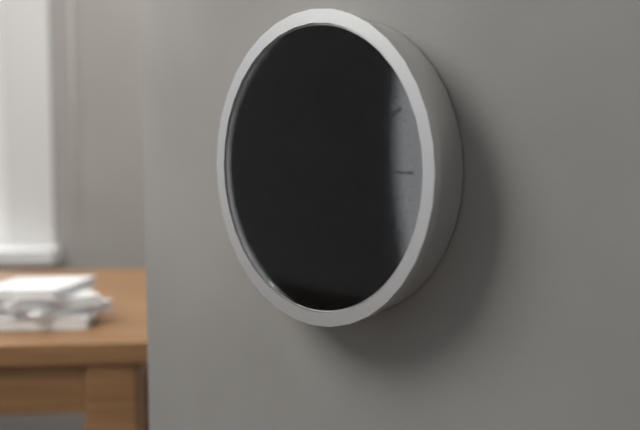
**3:44**
